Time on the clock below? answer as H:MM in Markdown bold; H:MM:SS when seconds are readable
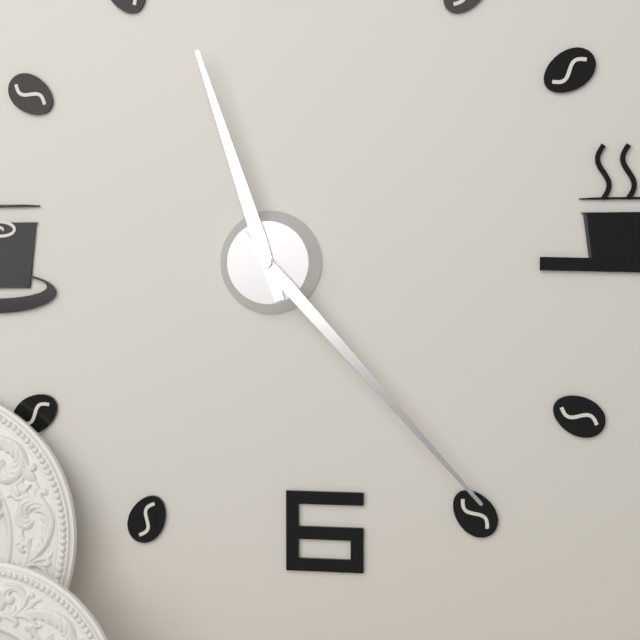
**11:23**
